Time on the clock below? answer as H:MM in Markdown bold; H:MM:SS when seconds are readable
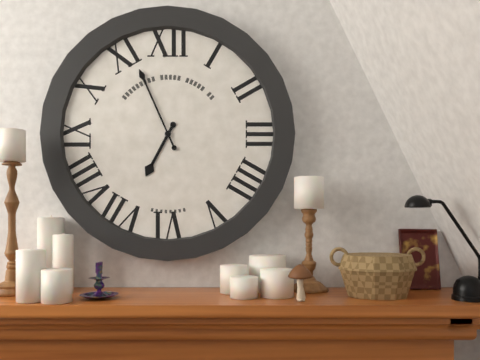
**6:56**
